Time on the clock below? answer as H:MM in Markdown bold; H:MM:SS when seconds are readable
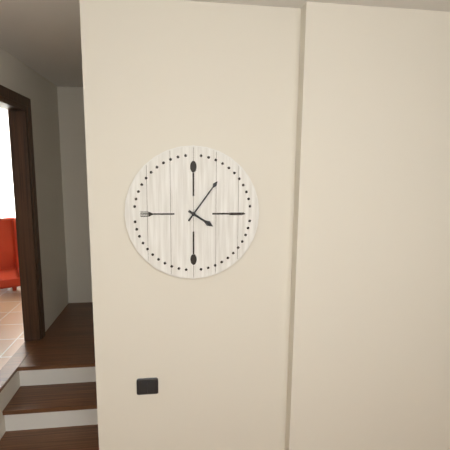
**4:06**
